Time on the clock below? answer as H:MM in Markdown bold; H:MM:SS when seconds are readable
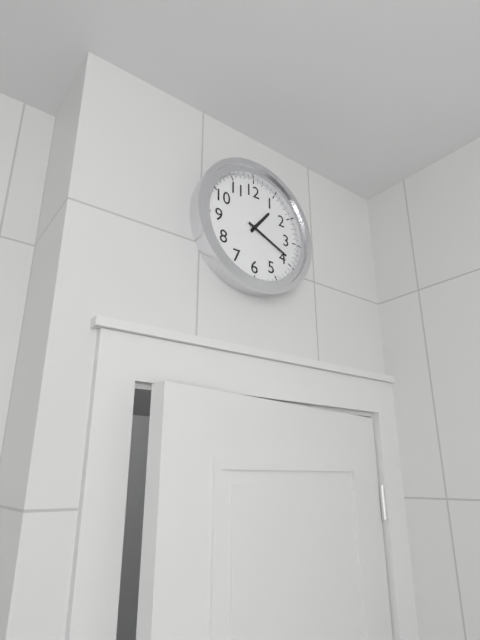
**1:19**
